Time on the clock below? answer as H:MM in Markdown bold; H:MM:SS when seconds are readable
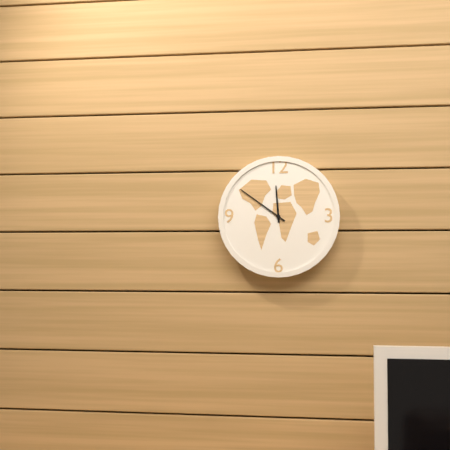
**11:51**
